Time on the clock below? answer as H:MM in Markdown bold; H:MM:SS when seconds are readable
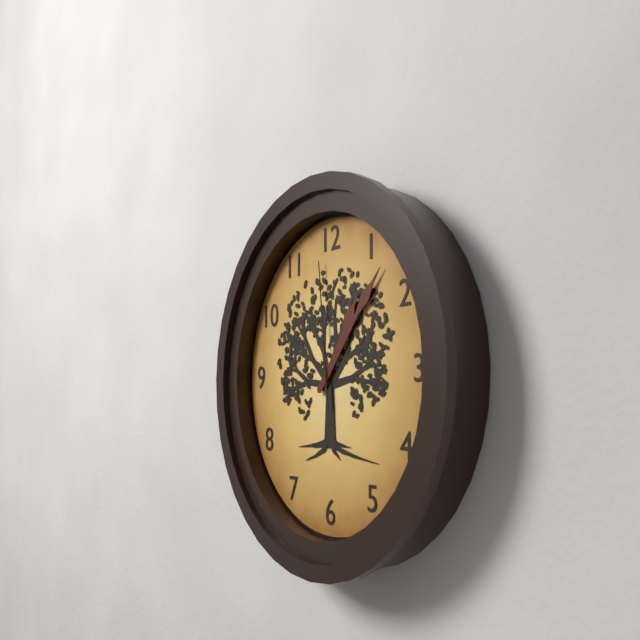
**1:07:59**
